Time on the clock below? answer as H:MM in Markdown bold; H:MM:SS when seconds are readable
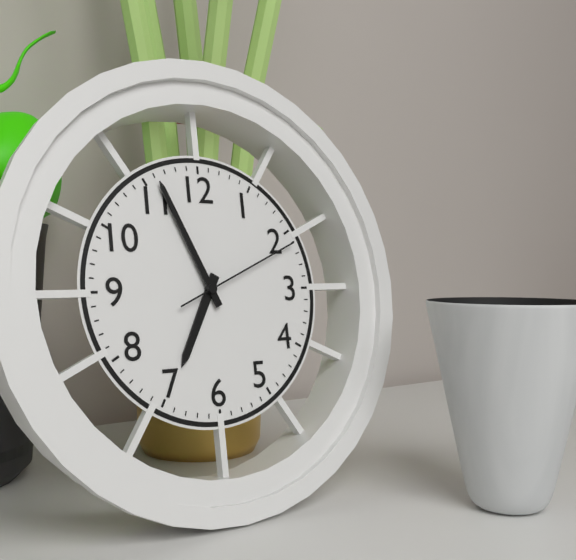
**6:56:11**
